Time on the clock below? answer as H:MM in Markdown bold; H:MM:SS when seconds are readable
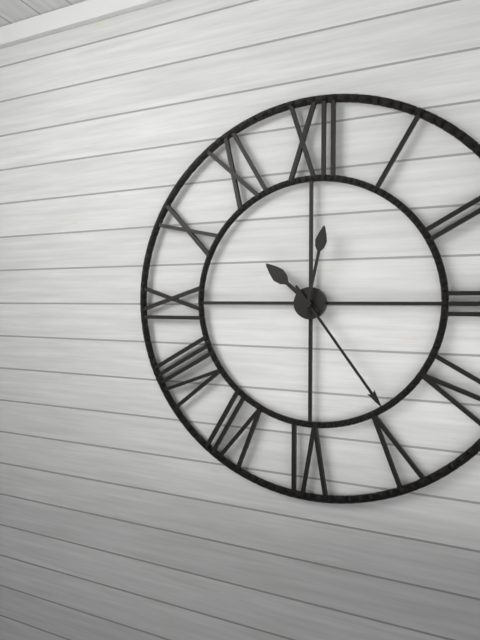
**10:24:02**
